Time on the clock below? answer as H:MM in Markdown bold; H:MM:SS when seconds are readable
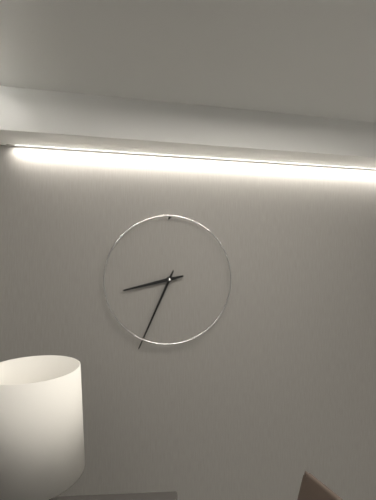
**8:34**
